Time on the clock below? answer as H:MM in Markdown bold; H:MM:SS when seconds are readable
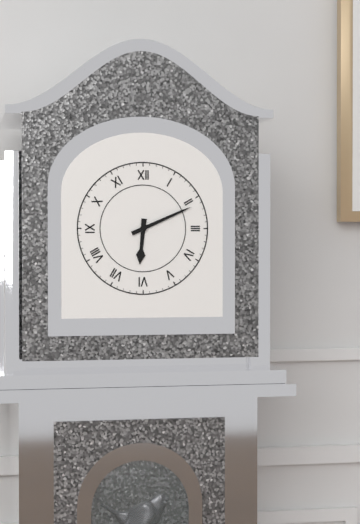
**6:11**
